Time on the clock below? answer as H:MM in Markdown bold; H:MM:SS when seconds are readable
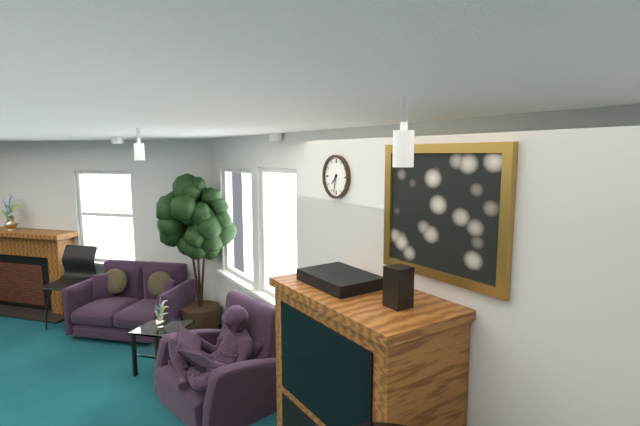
**7:32**
